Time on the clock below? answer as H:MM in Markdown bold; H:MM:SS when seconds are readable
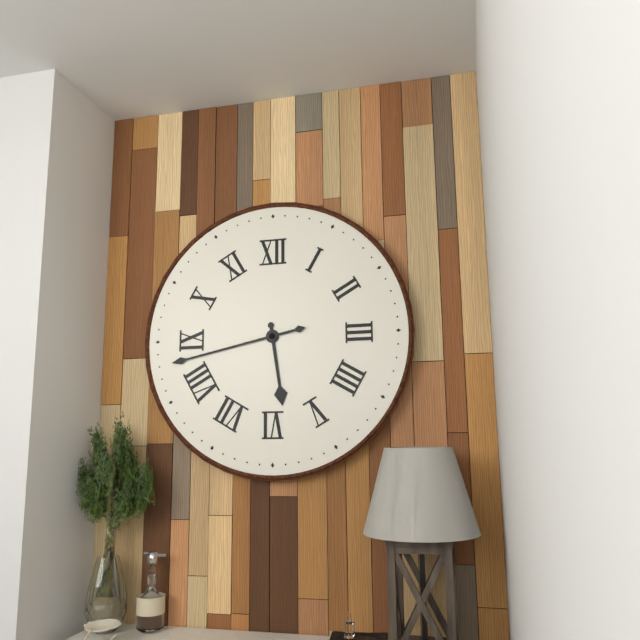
**5:43**
